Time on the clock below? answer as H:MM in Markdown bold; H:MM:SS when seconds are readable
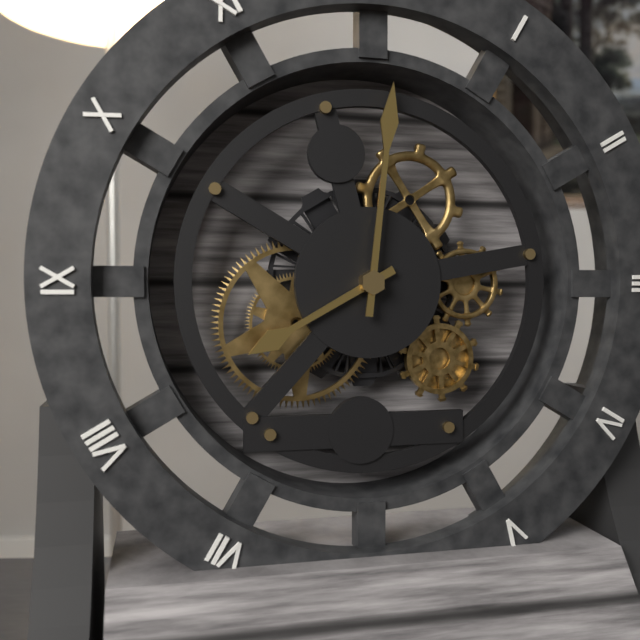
**8:01**
